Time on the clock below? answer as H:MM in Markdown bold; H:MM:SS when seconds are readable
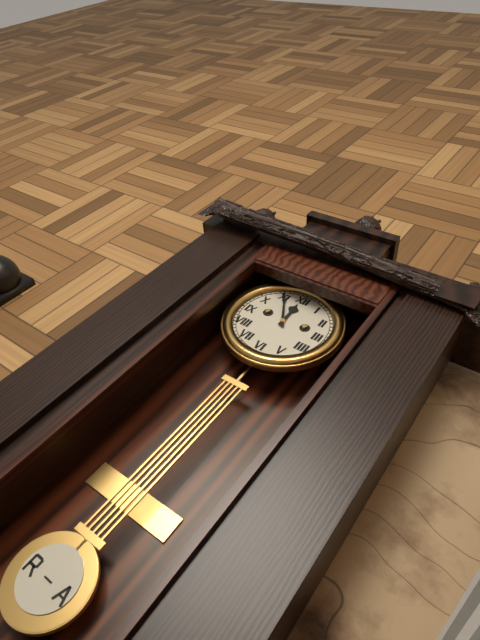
**11:55**
